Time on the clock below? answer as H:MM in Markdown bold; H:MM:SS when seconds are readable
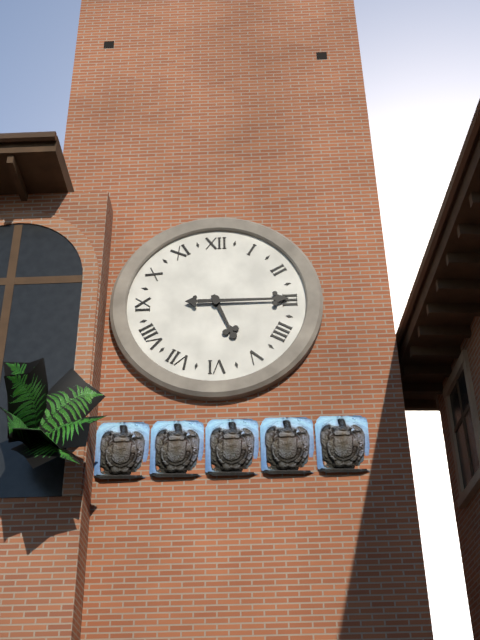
**5:15**
